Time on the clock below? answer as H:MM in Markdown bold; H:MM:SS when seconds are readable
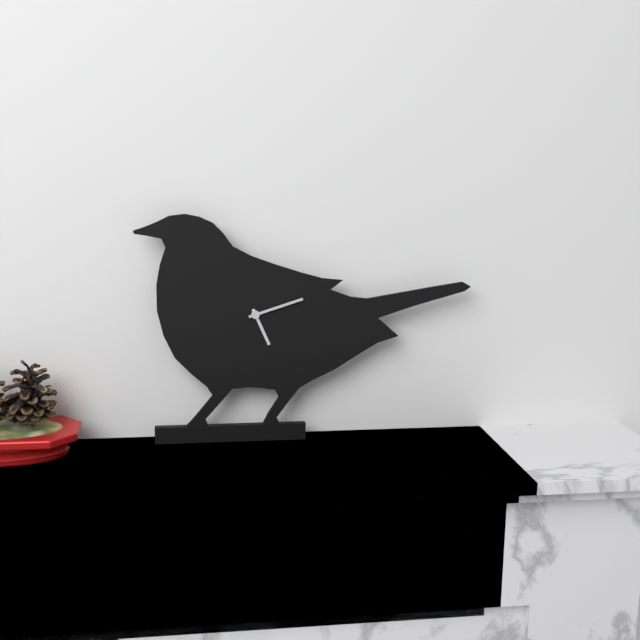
**5:12**
